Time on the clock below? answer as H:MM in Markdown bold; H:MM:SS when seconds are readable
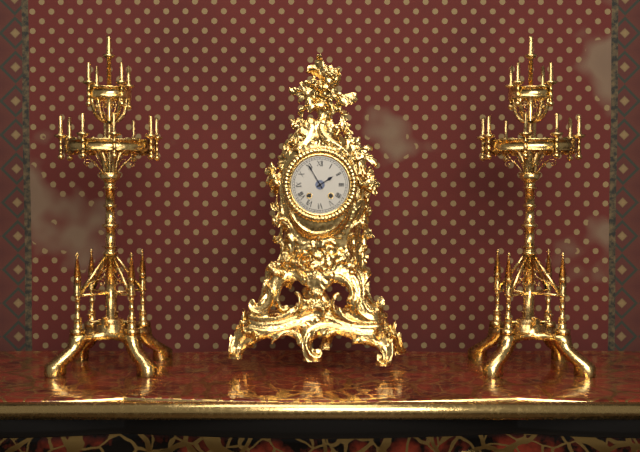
**1:55**
